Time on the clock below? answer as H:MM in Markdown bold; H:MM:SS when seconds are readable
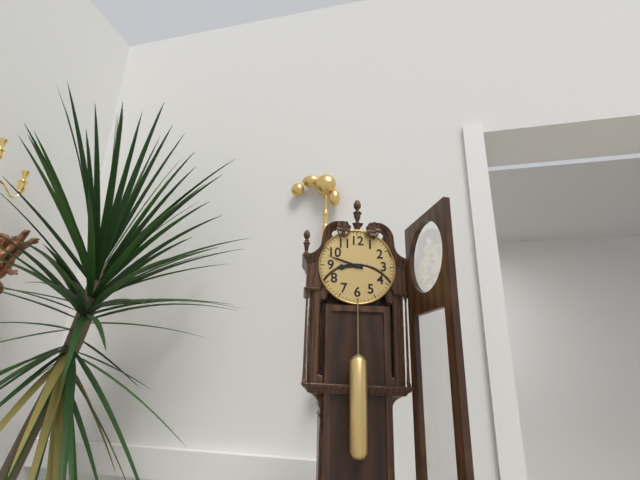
**8:48**
